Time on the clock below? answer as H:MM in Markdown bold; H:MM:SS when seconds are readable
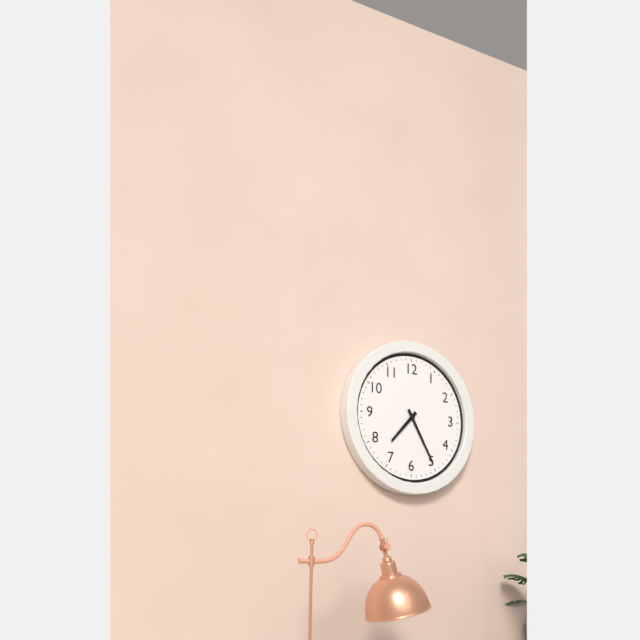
**7:25**
